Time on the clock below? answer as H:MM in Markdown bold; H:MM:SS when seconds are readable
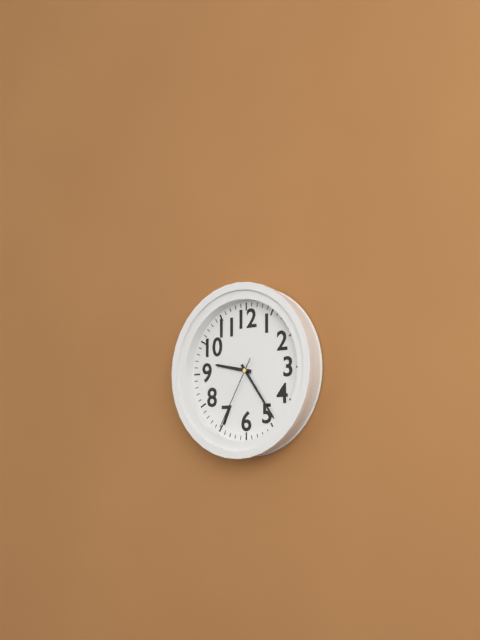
**9:24:35**
